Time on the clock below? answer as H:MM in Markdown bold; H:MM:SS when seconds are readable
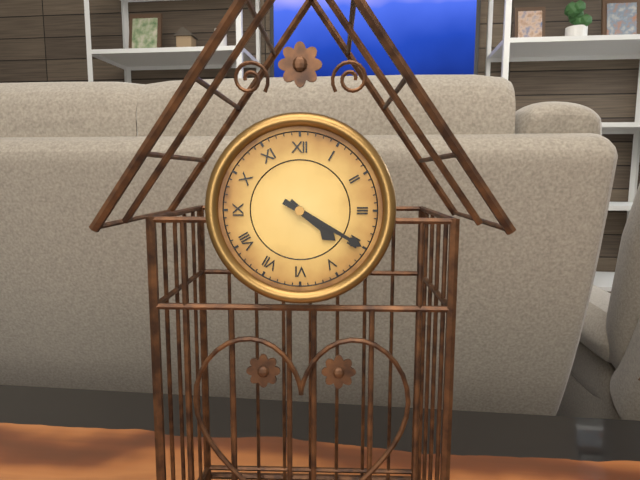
**4:20**
